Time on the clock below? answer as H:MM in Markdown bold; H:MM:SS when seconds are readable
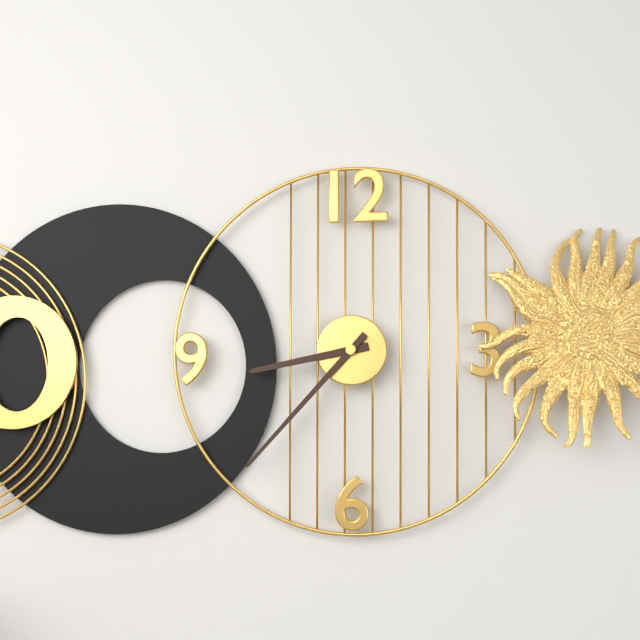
**8:37**
